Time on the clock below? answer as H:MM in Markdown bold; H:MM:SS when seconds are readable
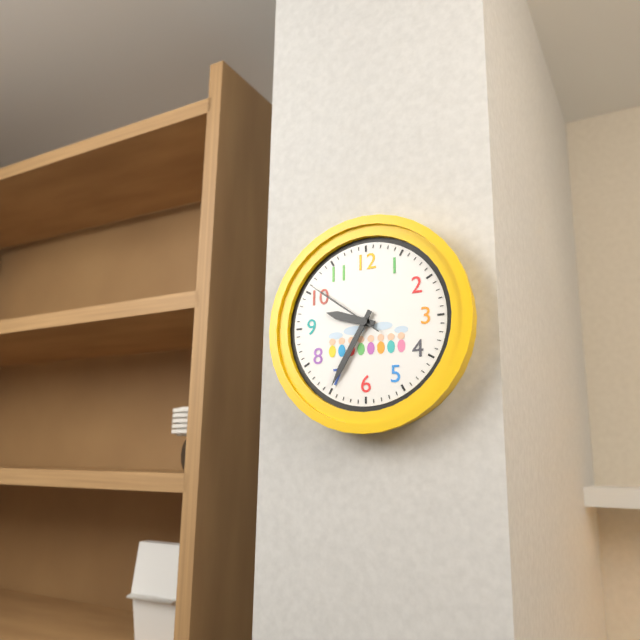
**9:35:51**
